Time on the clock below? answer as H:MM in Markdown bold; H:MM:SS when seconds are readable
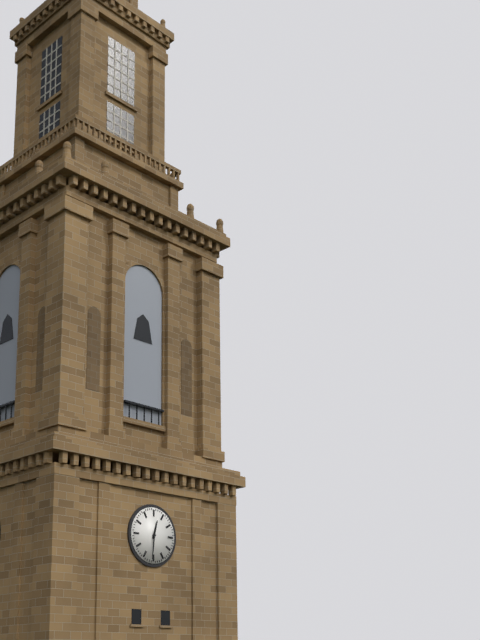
**12:31**
